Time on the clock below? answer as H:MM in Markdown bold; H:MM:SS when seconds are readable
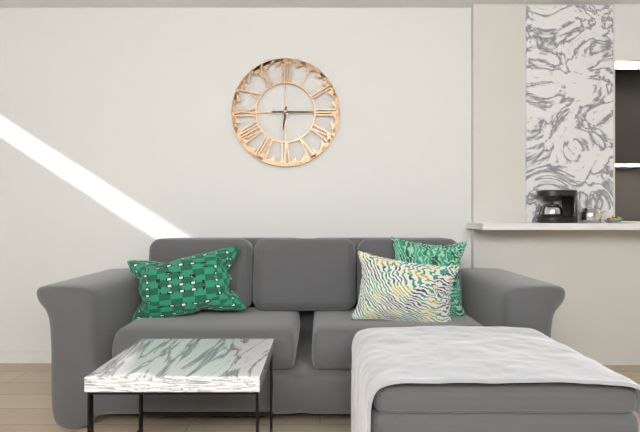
**6:15**
